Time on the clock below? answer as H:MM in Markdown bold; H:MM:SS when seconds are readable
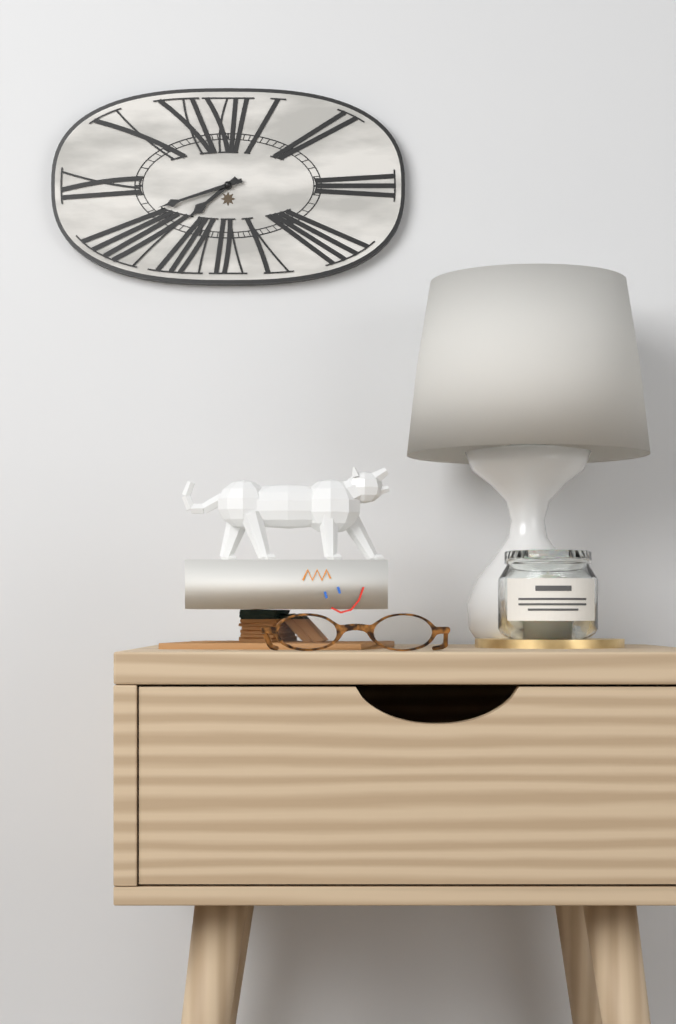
**7:42**
